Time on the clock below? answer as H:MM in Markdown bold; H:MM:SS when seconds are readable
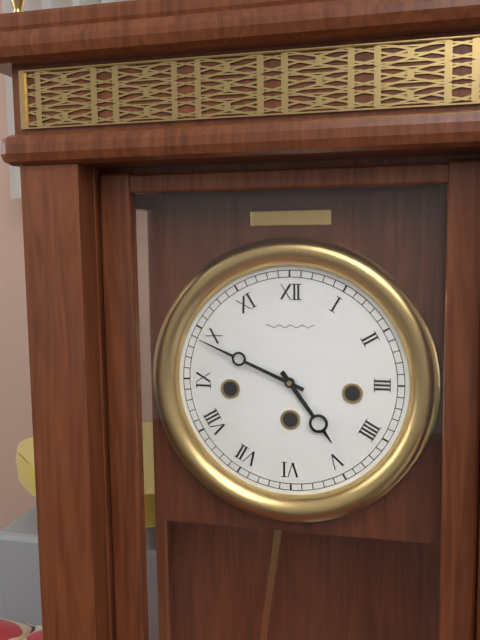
**4:49**
